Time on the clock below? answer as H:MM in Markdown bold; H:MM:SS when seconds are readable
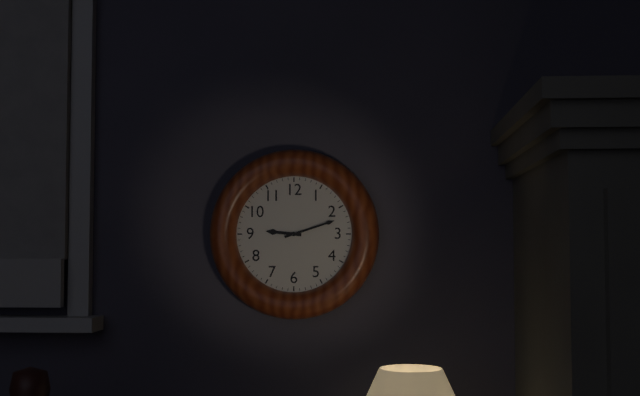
**9:12**
